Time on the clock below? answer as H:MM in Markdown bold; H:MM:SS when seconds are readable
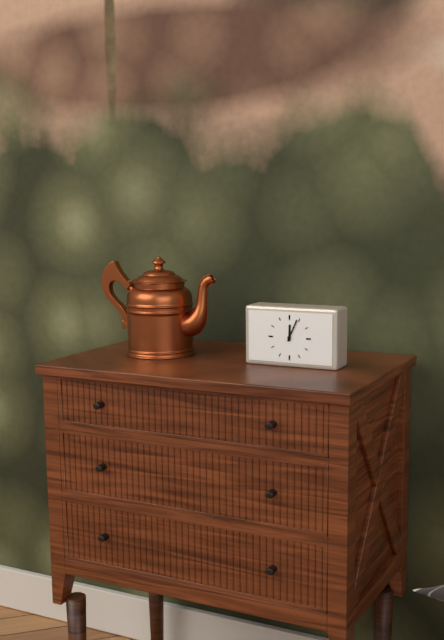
**12:04**
